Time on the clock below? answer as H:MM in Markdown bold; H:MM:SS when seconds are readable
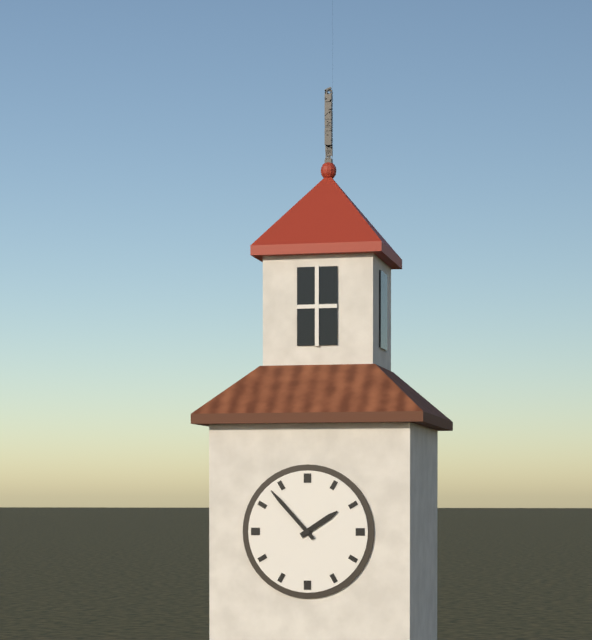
**1:53**
